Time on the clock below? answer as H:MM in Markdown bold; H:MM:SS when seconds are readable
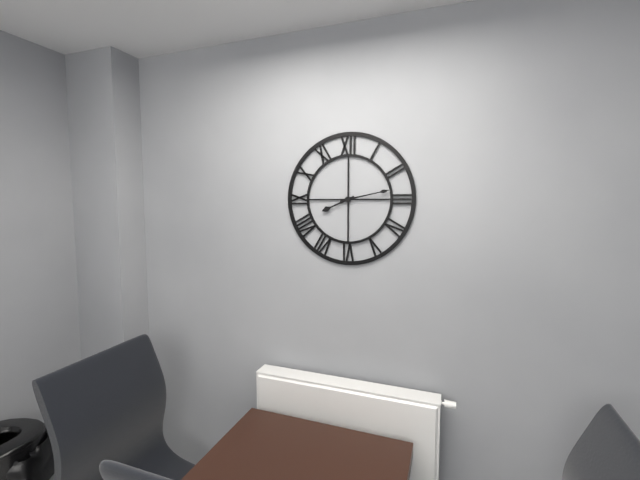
**8:13**
